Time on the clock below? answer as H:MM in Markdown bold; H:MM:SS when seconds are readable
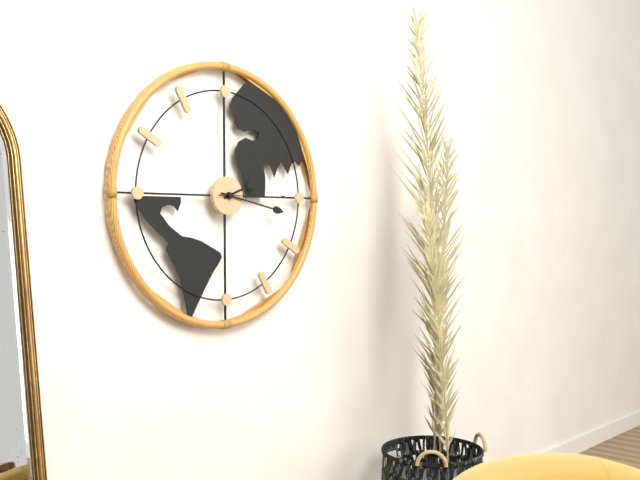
**2:17:15**
